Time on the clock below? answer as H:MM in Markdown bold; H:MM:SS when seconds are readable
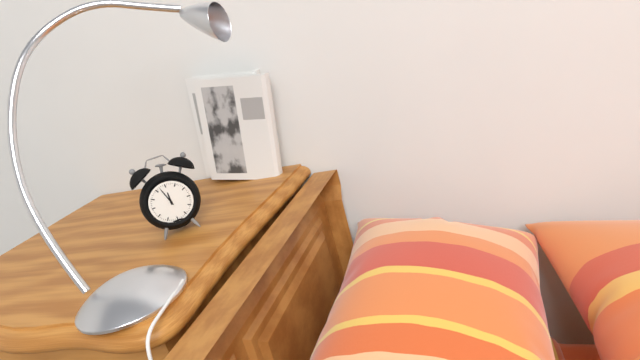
**11:57**
